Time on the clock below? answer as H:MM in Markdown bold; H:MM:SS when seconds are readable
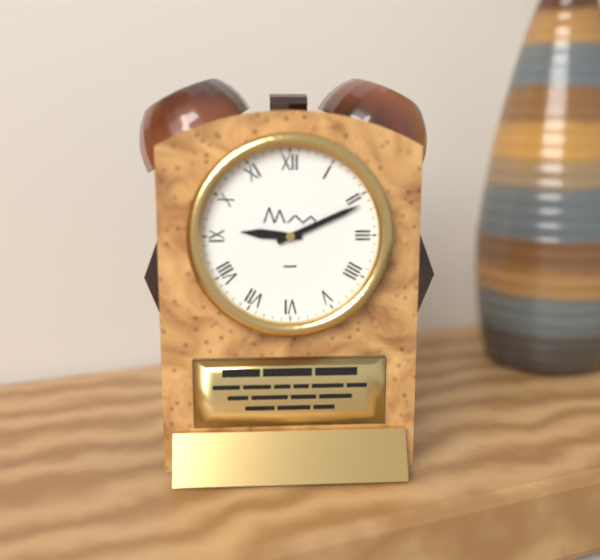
**9:11**
